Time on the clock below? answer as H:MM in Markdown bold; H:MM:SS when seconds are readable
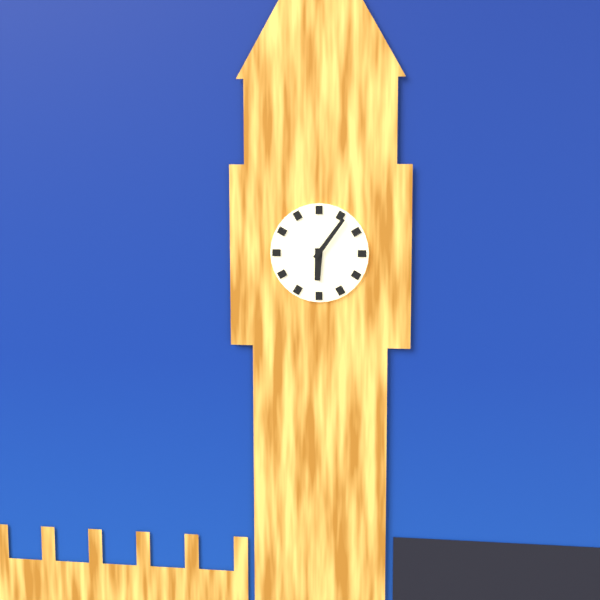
**6:06**
